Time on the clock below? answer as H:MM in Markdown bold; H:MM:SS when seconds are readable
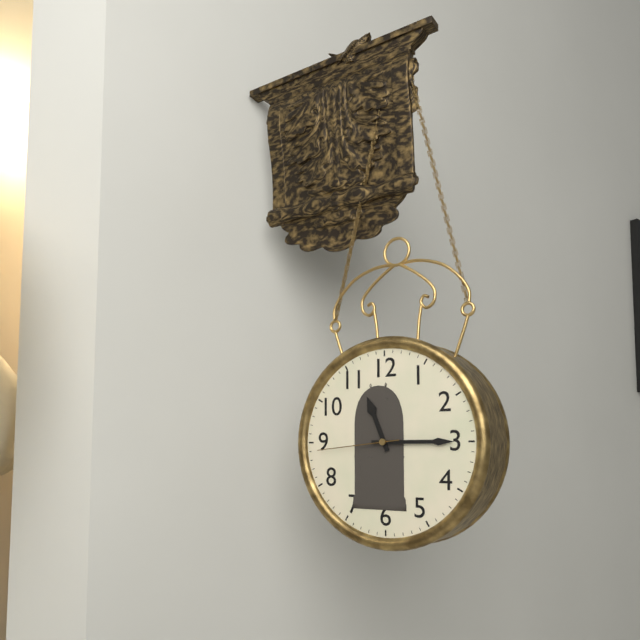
**11:15:44**
